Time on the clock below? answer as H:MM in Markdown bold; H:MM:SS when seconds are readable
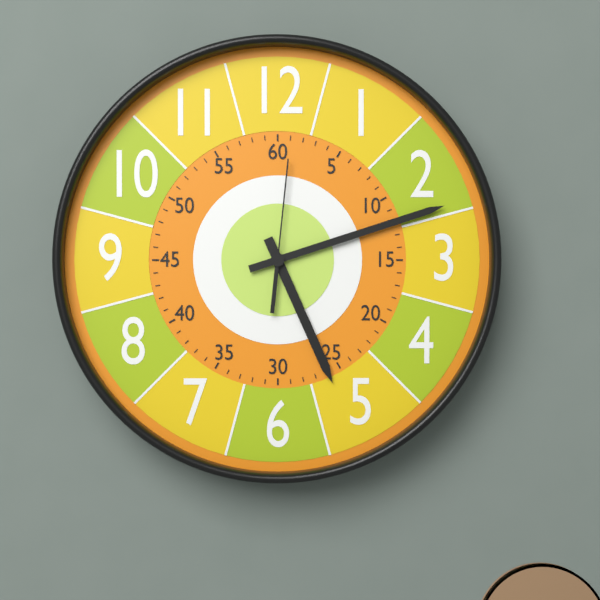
**5:12:01**
